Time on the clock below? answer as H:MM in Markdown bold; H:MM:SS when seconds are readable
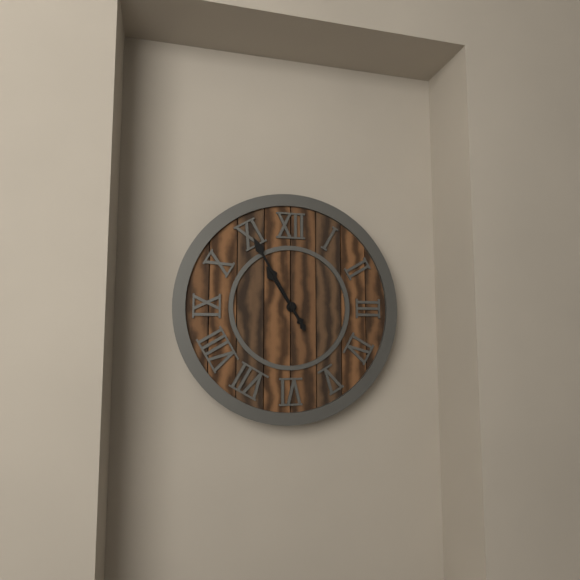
**10:55**
